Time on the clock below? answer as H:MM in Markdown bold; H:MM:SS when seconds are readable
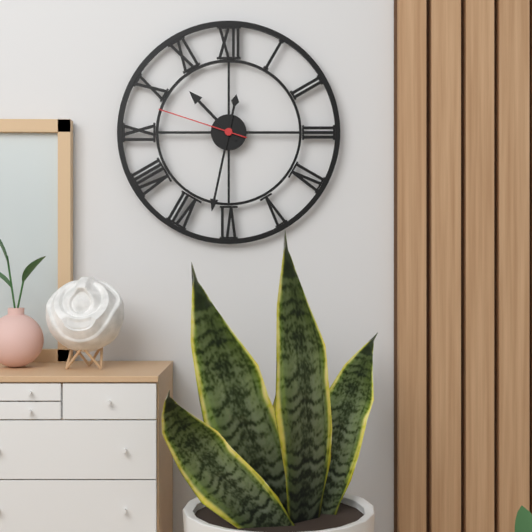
**10:32:48**
